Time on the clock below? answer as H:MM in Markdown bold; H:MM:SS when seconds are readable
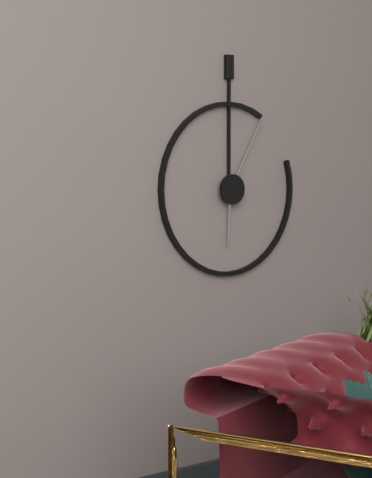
**6:05**
